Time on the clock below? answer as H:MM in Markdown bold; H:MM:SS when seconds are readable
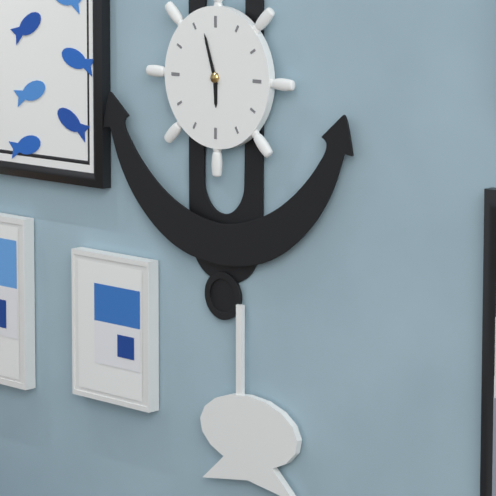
**5:57**
